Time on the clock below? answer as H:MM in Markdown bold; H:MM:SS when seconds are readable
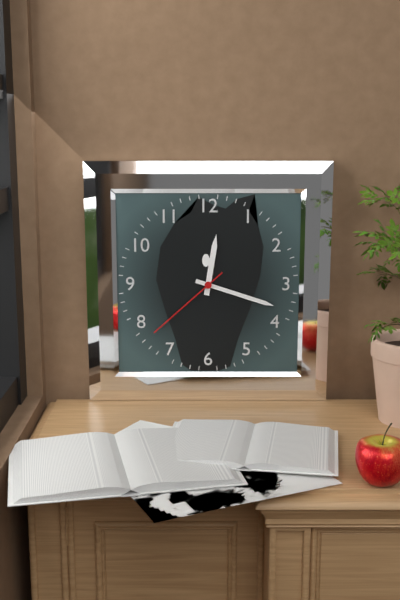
**12:18:38**
